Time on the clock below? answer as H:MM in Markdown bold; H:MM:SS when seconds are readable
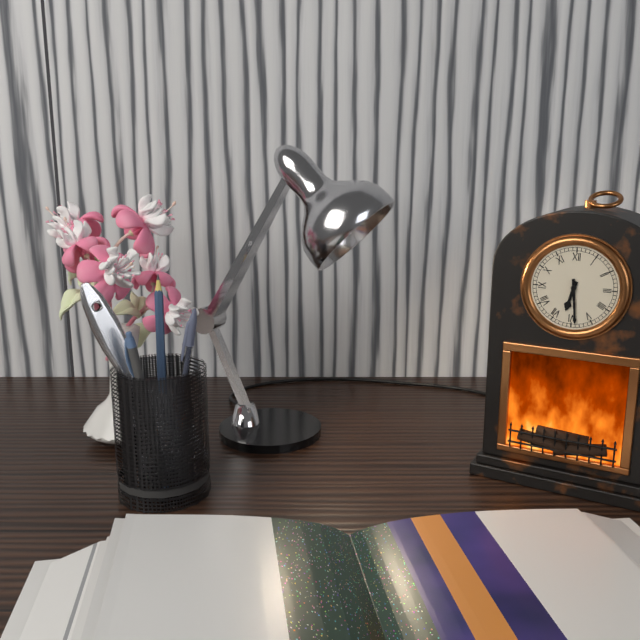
**6:29**
